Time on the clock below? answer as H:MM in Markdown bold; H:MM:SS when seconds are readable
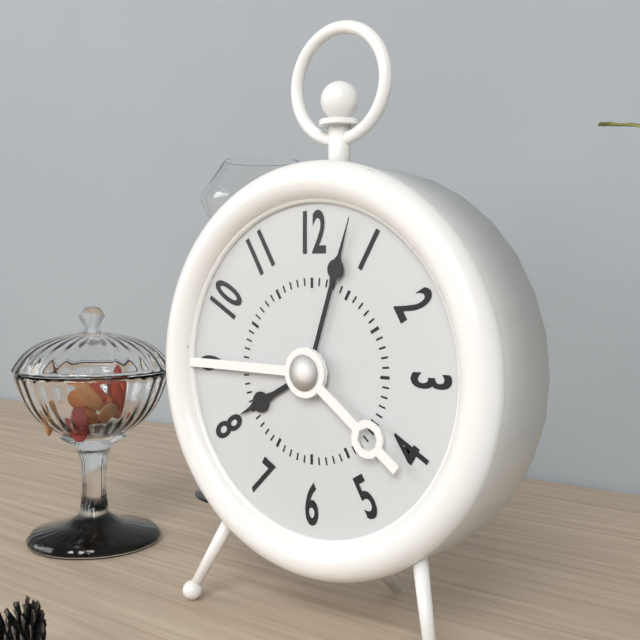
**8:03**
